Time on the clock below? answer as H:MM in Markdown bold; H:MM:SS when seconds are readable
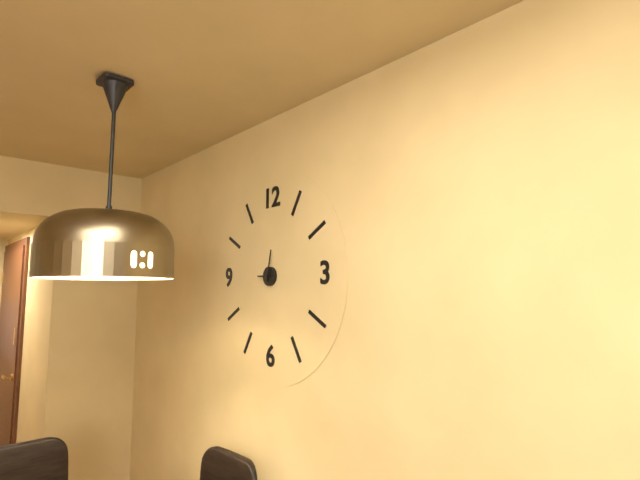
**9:02**
